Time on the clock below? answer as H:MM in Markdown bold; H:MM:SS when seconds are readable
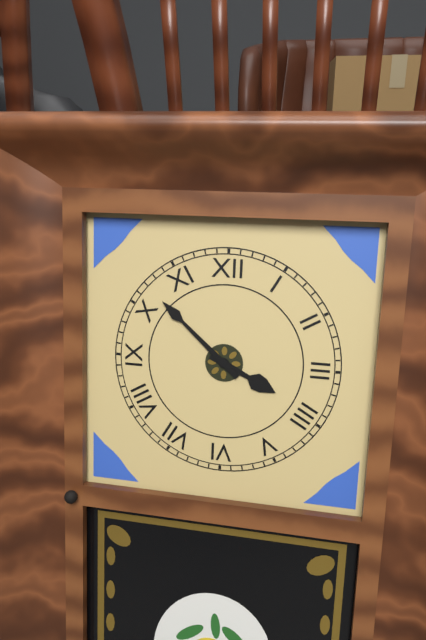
**3:52**
